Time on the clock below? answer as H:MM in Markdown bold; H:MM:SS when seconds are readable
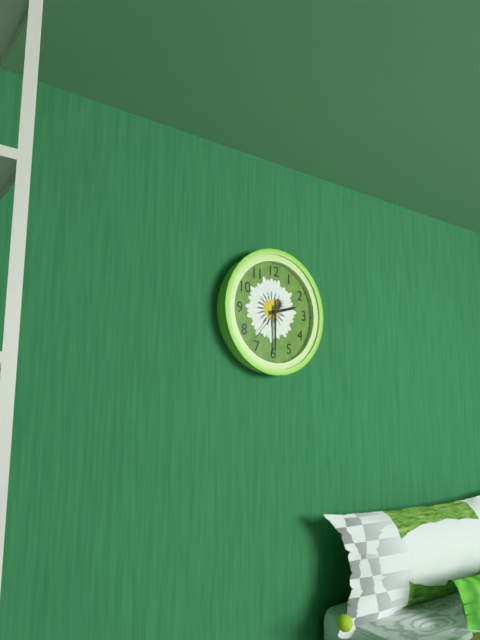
**2:30**
